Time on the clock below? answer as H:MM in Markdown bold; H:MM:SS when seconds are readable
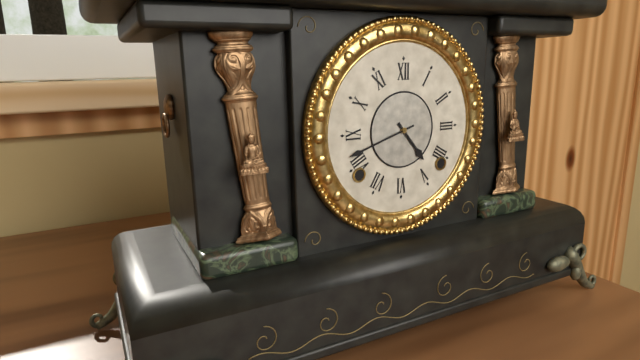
**4:42**
